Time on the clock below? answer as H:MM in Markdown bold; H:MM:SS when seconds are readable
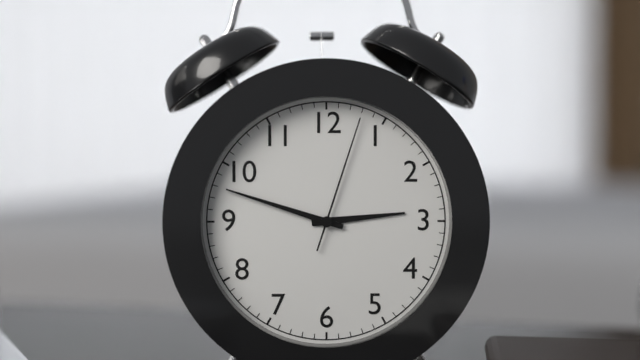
**2:48:03**
